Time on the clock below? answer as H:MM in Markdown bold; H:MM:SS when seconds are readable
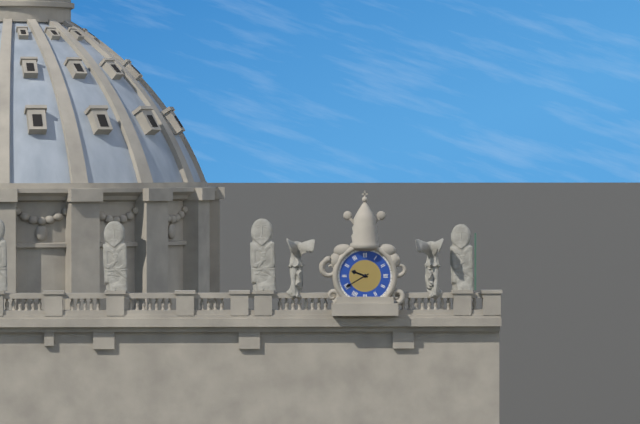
**9:40**
